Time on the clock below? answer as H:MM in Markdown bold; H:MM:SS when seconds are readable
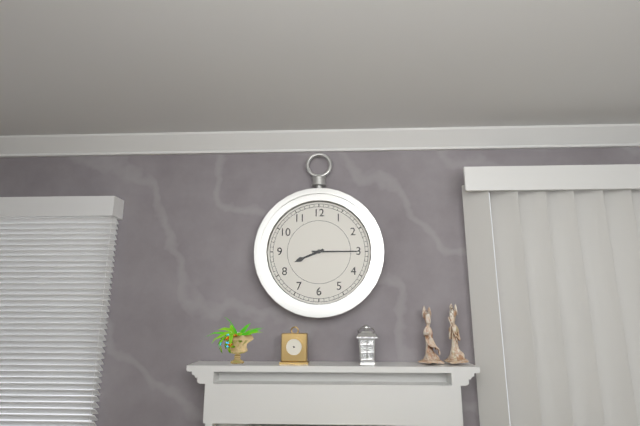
**8:15**
